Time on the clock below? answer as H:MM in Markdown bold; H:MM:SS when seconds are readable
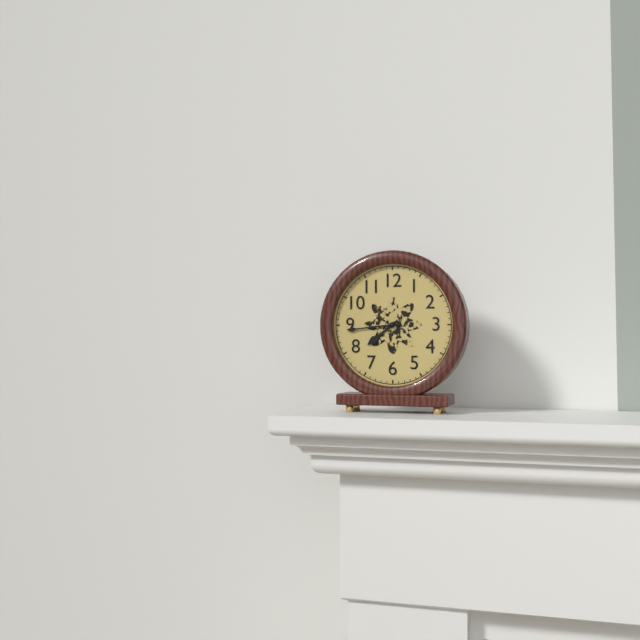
**7:44**
